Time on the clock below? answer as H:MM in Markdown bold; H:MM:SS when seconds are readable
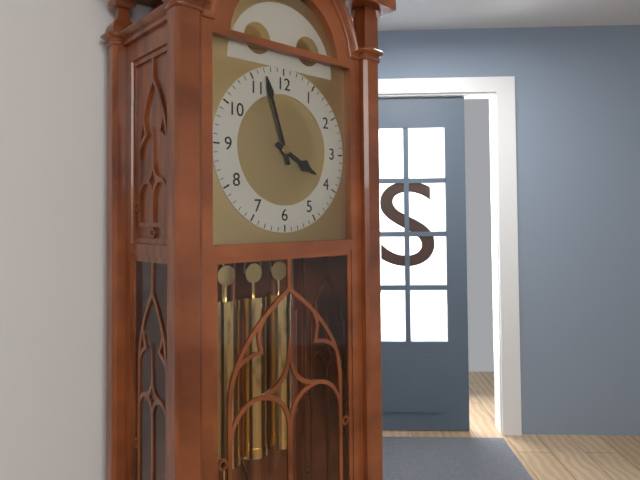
**3:57**
